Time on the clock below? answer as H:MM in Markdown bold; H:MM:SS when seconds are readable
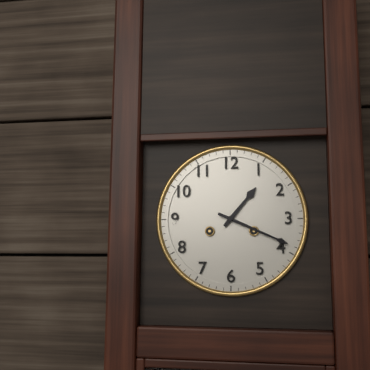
**1:19**
